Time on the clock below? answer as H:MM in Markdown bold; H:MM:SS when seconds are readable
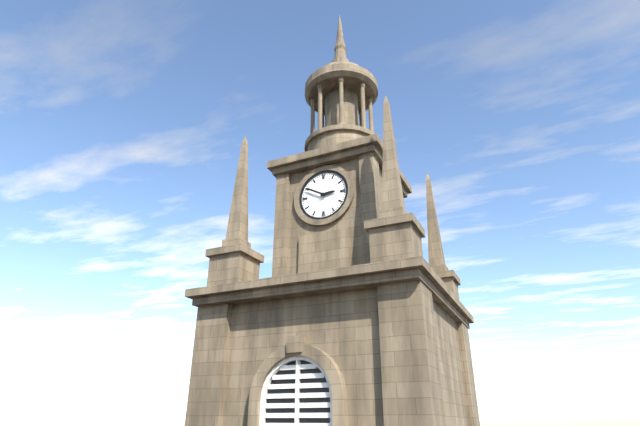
**2:50**
